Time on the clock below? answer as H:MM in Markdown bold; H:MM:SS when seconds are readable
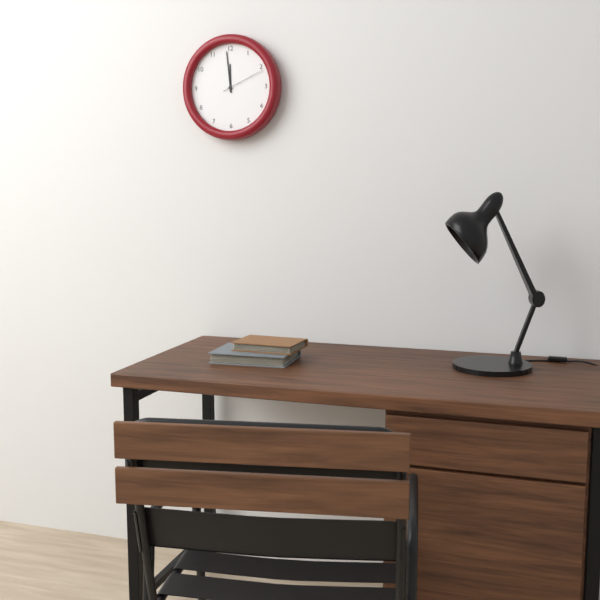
**11:59**
